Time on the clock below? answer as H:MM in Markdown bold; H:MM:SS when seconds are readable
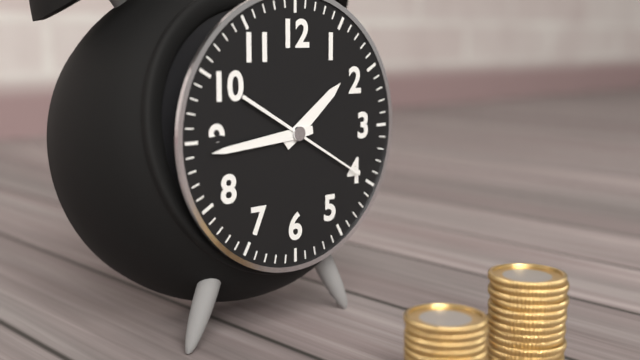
**1:44:20**
